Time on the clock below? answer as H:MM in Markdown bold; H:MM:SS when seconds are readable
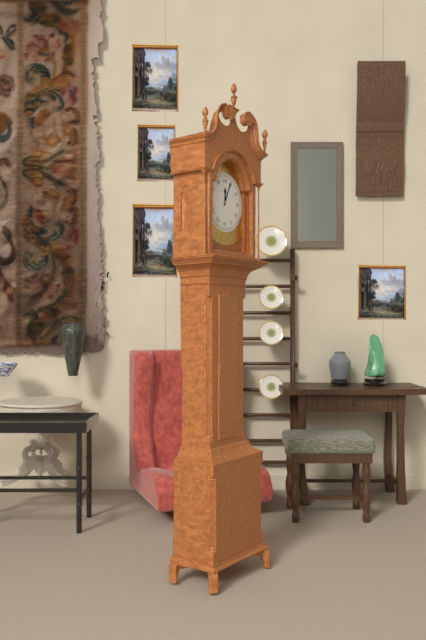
**12:04**
